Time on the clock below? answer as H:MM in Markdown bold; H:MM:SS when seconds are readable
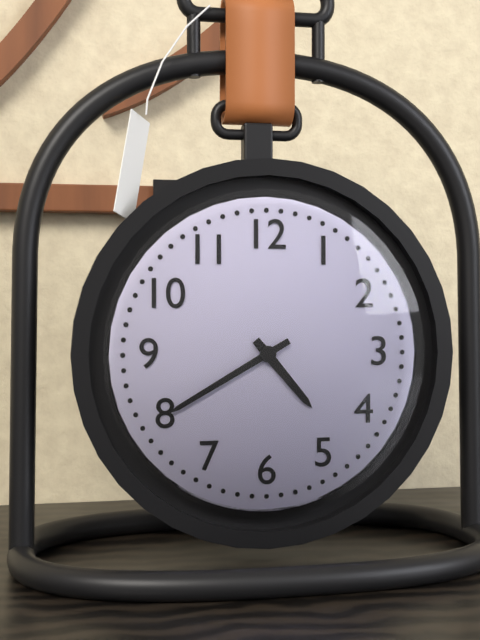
**4:40**
